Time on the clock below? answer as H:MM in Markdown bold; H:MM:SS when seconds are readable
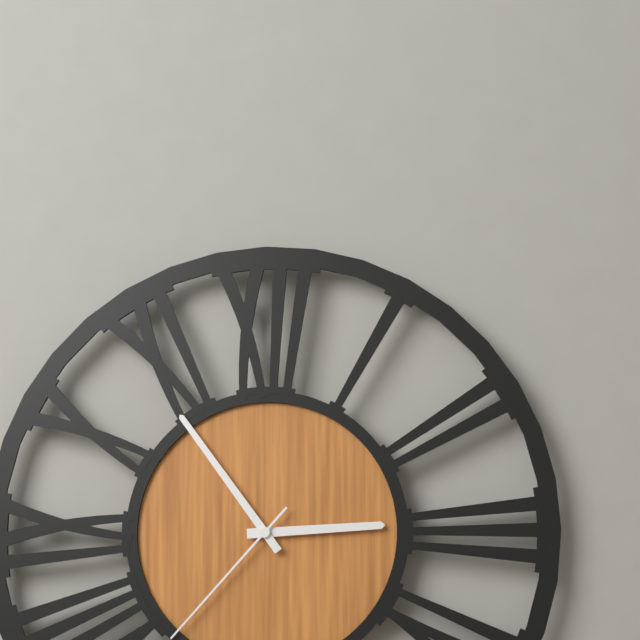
**2:54:37**
